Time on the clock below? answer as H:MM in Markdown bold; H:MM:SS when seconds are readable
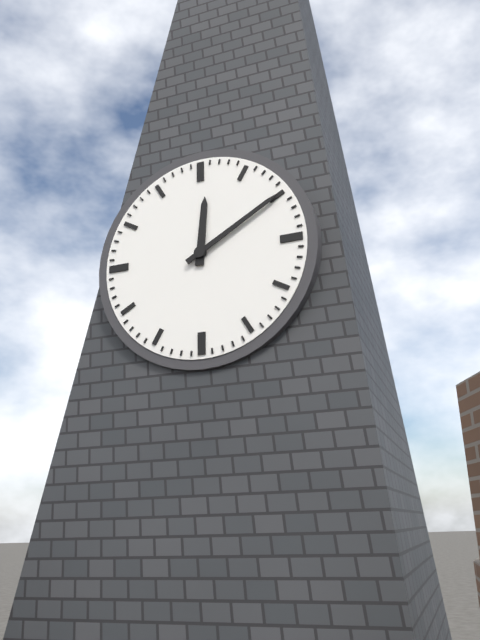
**12:10**
